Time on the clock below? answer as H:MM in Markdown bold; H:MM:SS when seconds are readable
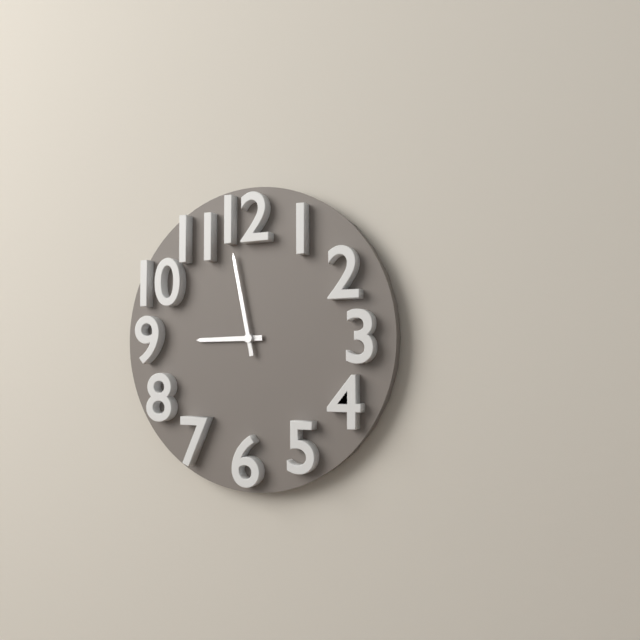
**8:58**
